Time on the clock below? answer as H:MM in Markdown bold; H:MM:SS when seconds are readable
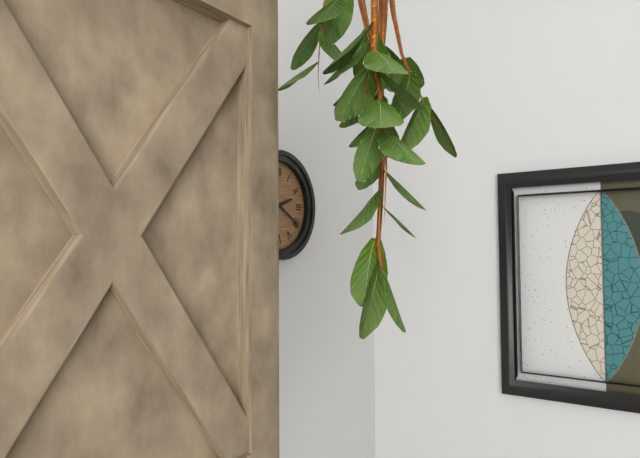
**2:20**
